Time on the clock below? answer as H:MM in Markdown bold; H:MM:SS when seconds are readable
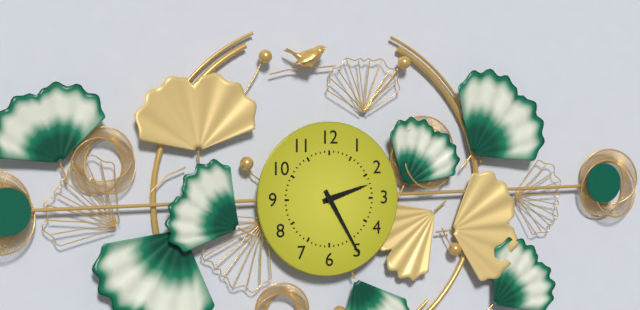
**2:25**
